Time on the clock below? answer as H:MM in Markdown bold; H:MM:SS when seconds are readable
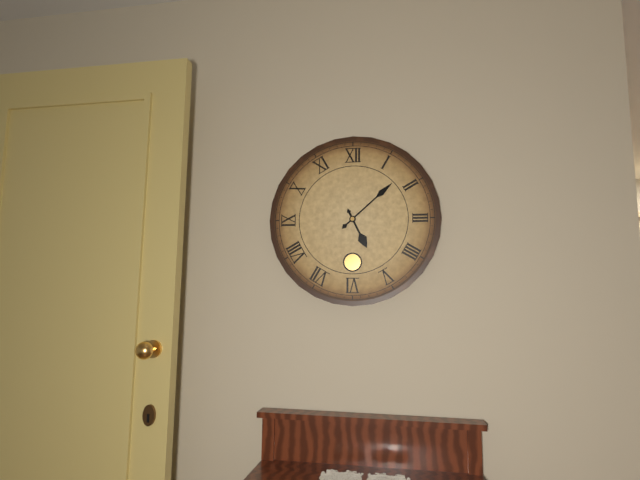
**5:08**
